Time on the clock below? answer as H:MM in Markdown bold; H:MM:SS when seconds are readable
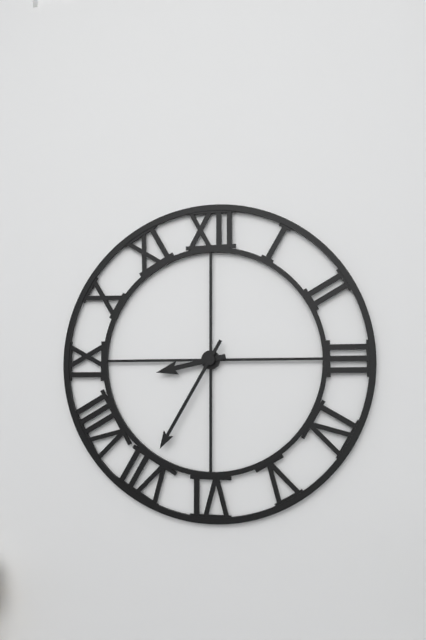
**8:35**
